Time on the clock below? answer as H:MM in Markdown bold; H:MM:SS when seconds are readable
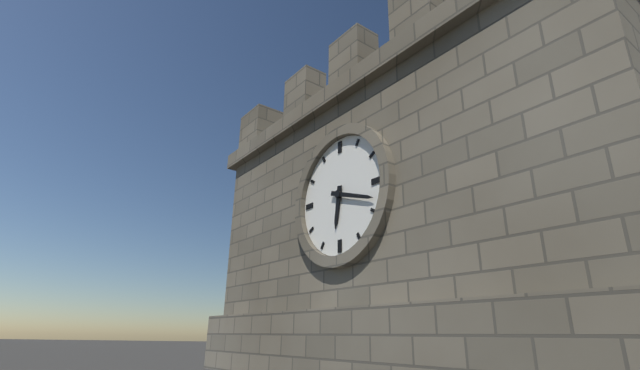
**6:18**
